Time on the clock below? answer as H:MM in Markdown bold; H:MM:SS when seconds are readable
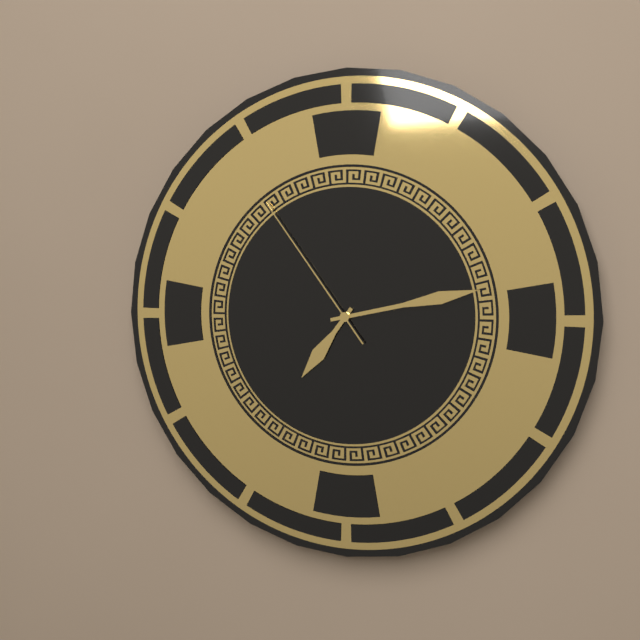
**7:13:54**
